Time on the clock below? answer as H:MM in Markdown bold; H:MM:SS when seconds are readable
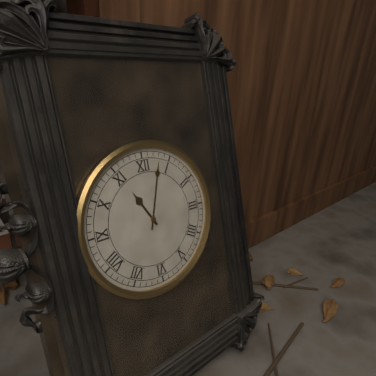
**11:03**
